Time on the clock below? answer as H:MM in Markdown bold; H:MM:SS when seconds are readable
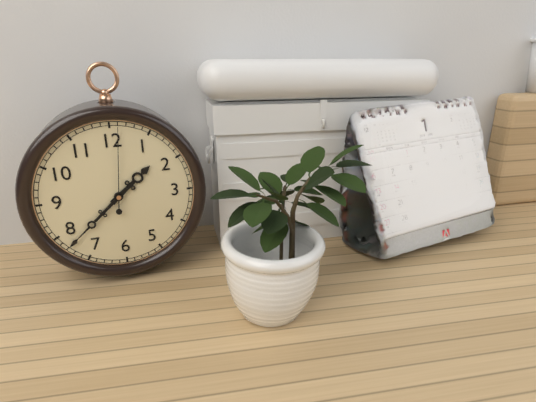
**1:38:01**
